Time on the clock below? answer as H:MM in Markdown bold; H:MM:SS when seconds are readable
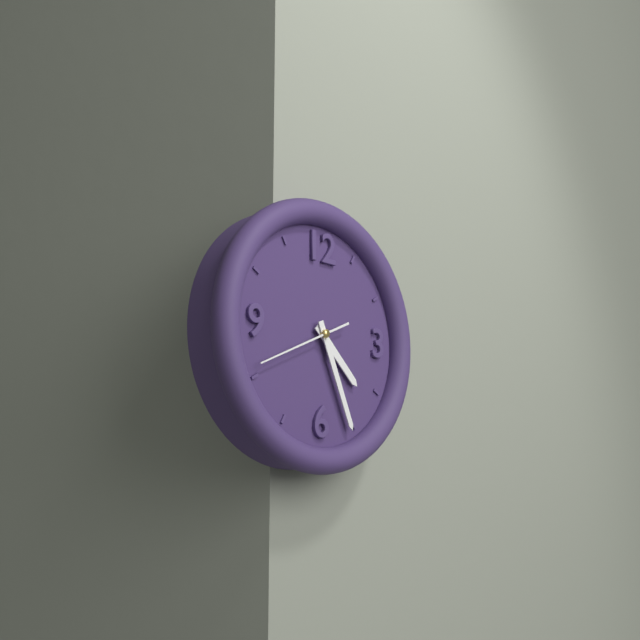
**4:26:41**
